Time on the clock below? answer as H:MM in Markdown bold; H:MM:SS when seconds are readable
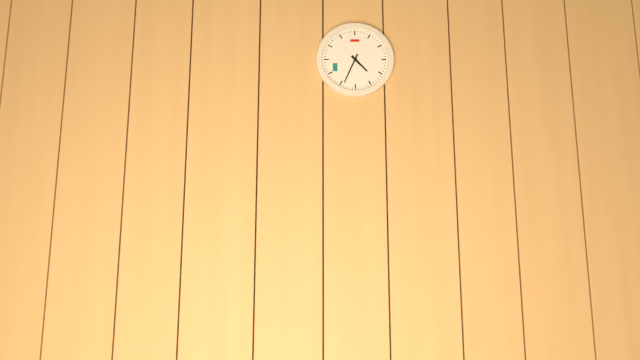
**4:34**
